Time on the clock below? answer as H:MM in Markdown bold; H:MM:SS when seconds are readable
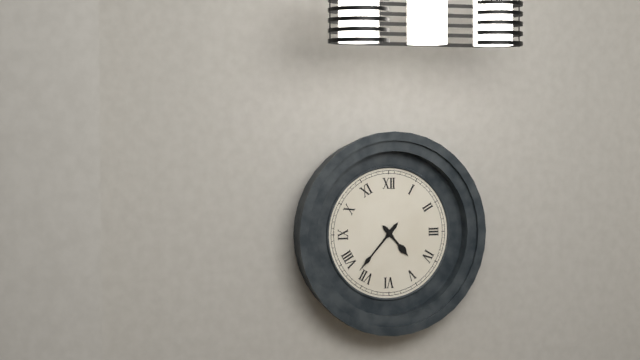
**4:37**
